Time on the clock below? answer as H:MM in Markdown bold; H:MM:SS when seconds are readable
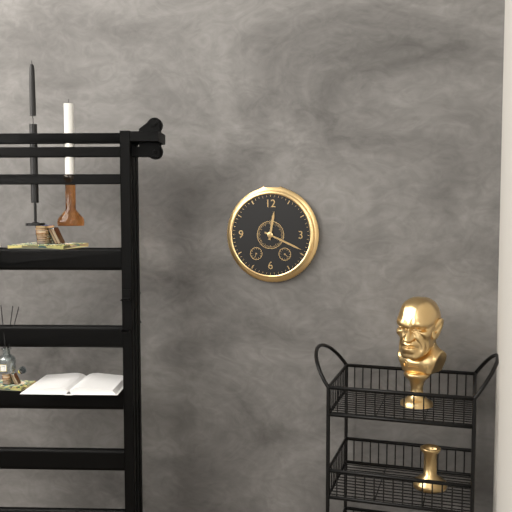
**12:19**
